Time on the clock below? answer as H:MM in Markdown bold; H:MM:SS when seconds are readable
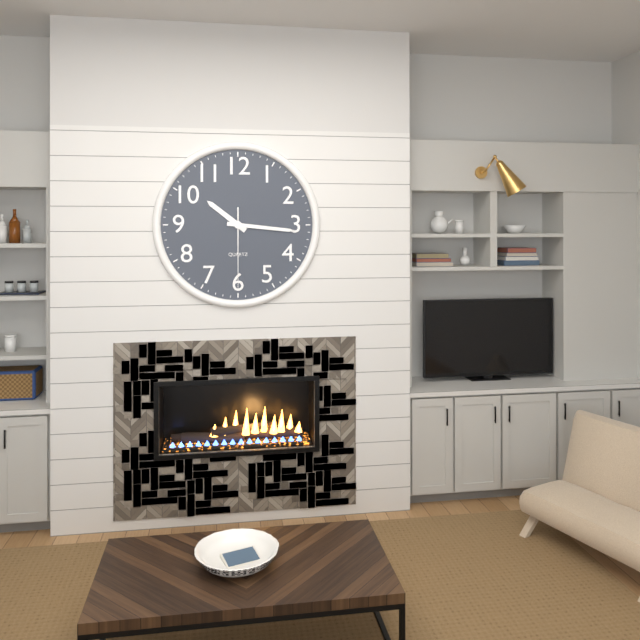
**10:16:30**
